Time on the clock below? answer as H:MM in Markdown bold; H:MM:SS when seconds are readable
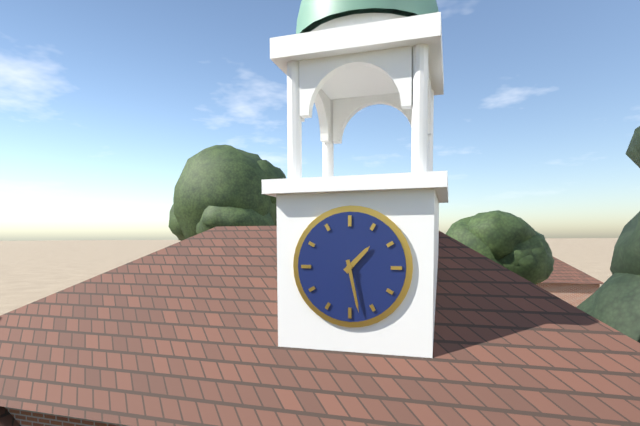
**1:28**
